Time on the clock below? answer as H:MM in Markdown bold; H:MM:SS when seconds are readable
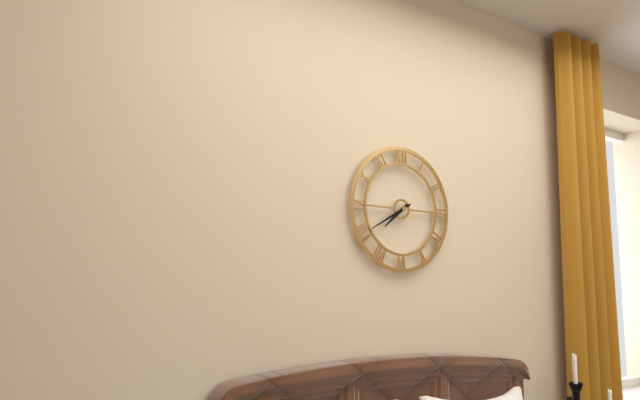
**7:40**
